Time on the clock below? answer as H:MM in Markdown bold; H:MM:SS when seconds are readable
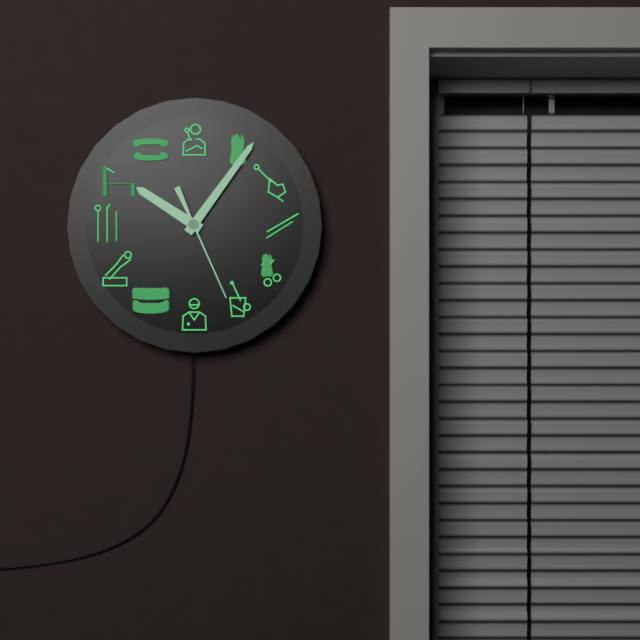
**10:06:26**
